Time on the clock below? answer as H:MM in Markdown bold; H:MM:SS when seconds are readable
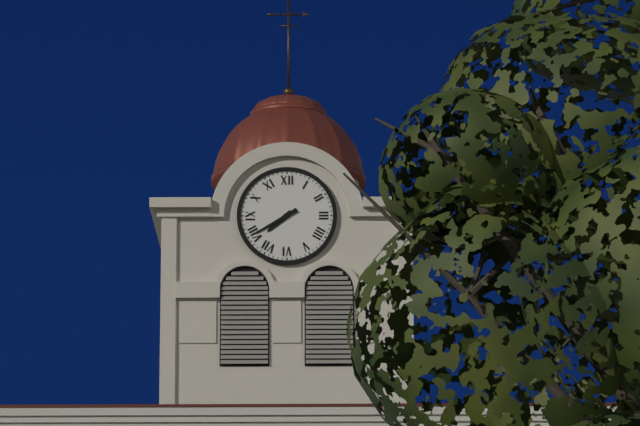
**7:40**
